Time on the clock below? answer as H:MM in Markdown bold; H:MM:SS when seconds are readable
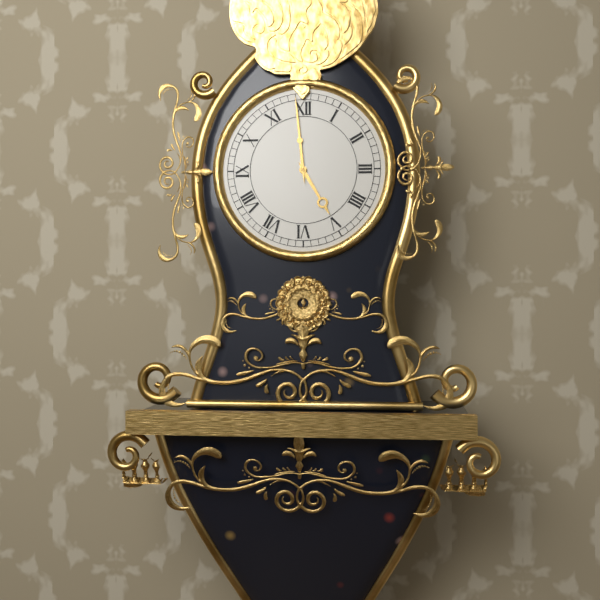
**4:59**
